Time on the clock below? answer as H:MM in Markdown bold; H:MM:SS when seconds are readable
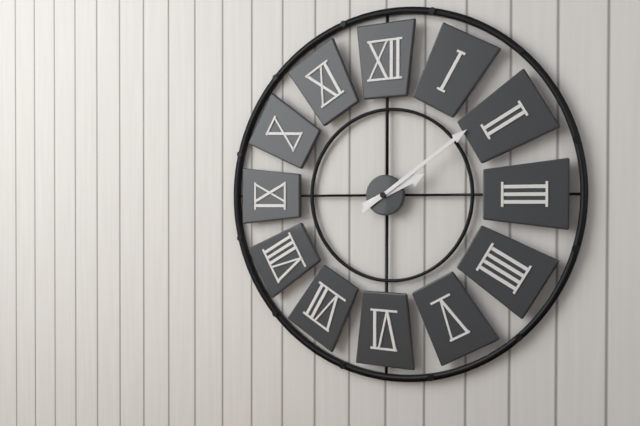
**2:09**
